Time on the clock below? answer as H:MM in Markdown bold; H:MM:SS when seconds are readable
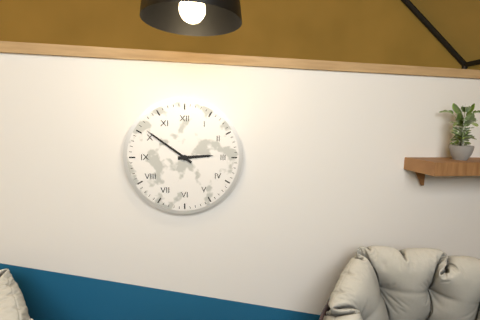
**2:51**
